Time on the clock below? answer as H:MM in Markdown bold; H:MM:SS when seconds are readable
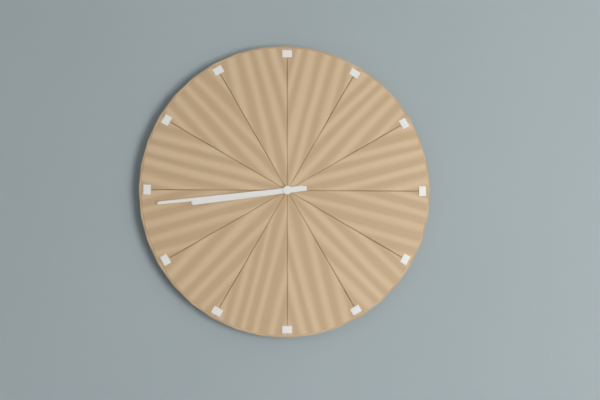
**8:44**
